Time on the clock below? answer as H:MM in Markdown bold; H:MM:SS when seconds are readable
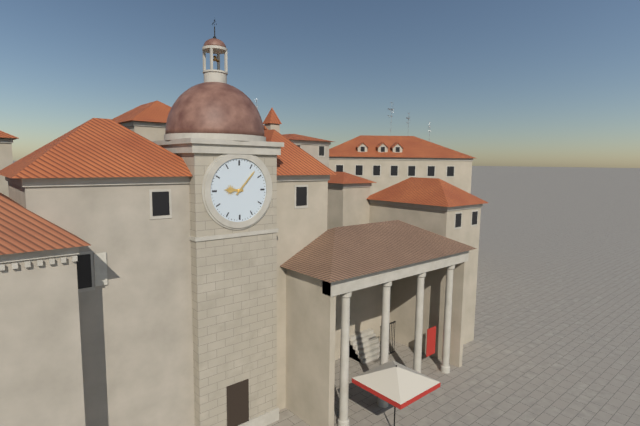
**9:07**
